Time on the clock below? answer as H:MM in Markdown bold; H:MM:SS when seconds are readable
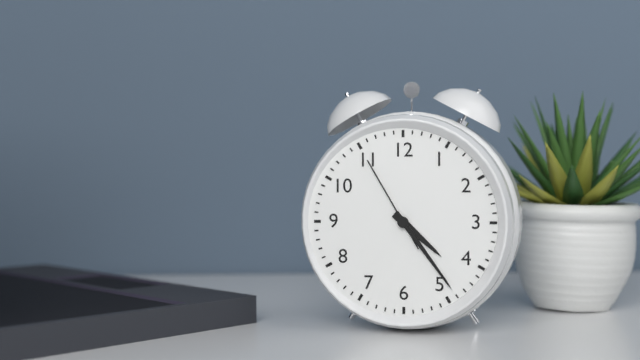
**4:24:55**
